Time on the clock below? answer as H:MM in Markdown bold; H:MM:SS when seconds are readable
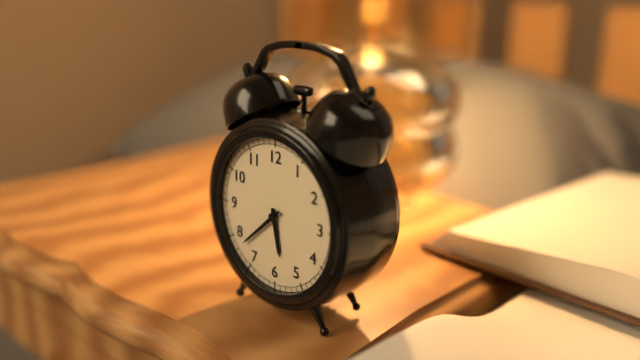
**5:38**
